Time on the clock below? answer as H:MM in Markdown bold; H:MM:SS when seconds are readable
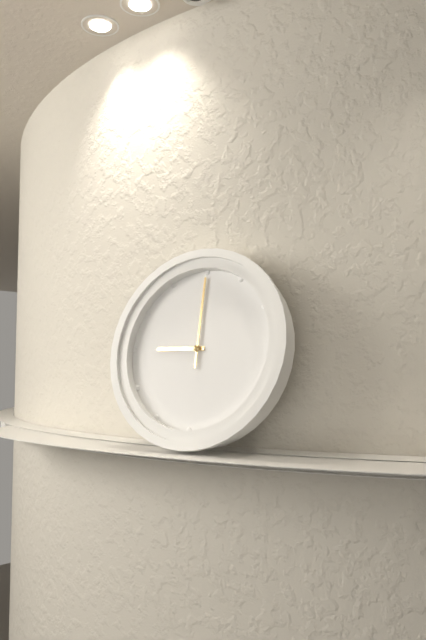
**9:00**
